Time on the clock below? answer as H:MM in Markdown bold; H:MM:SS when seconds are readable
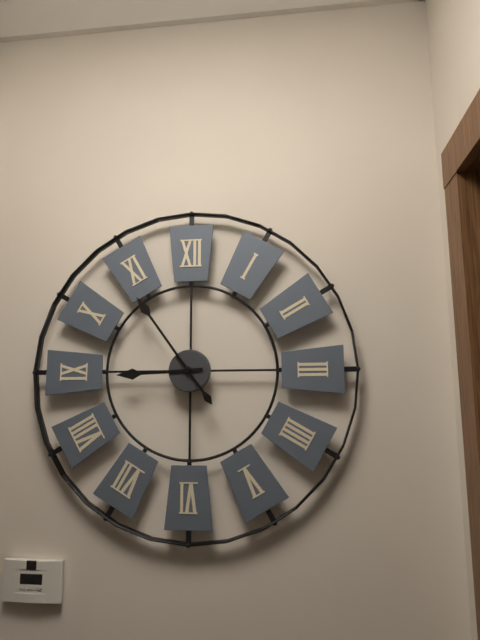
**8:54**
